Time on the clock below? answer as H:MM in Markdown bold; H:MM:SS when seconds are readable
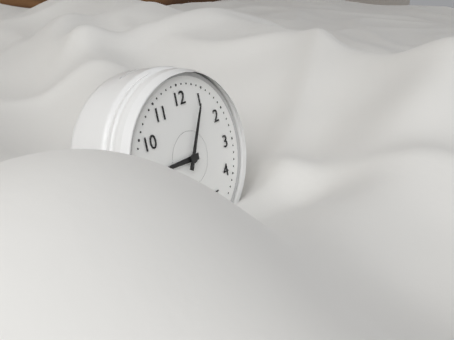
**9:05**
